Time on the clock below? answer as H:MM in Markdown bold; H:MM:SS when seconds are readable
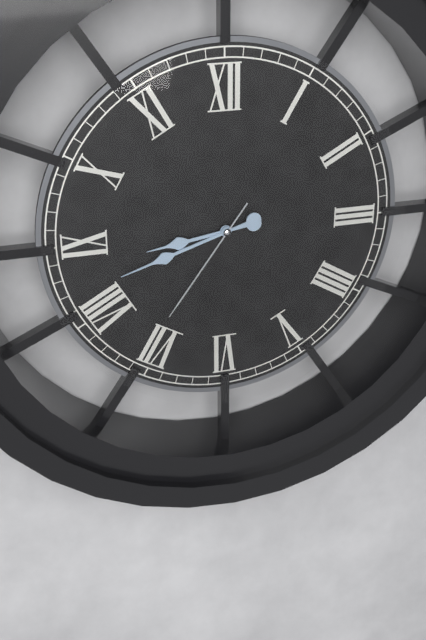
**8:42:36**
